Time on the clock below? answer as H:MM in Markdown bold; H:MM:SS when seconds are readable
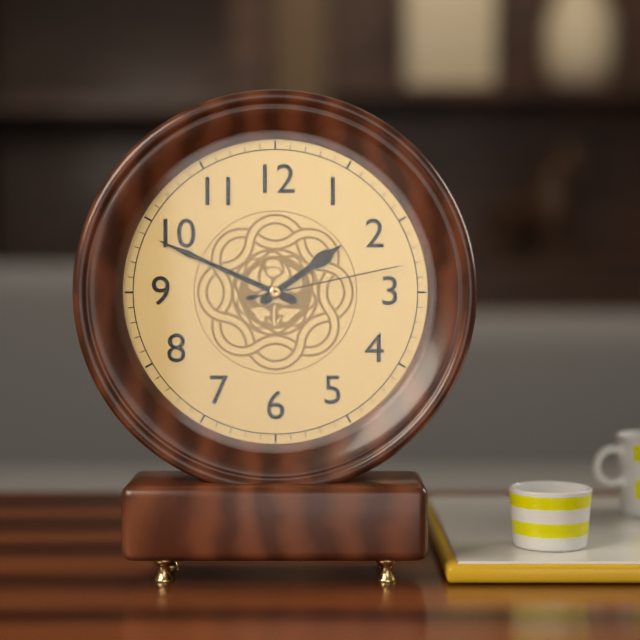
**1:49:13**
